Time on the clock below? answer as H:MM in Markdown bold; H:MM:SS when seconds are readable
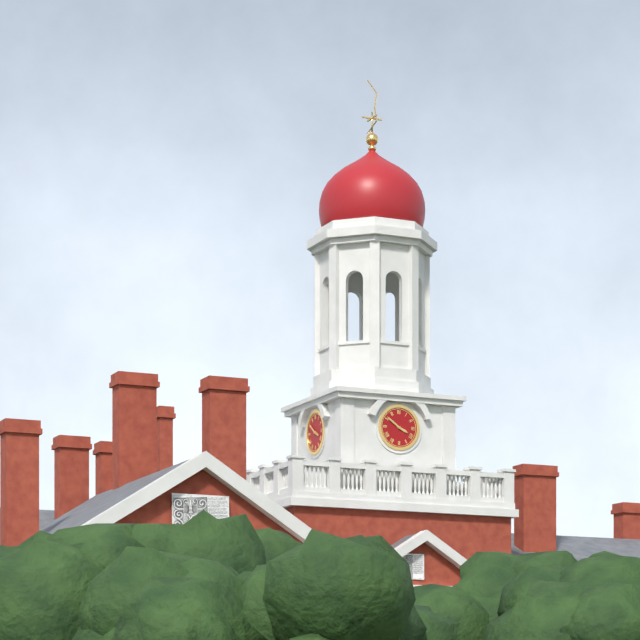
**3:51**
